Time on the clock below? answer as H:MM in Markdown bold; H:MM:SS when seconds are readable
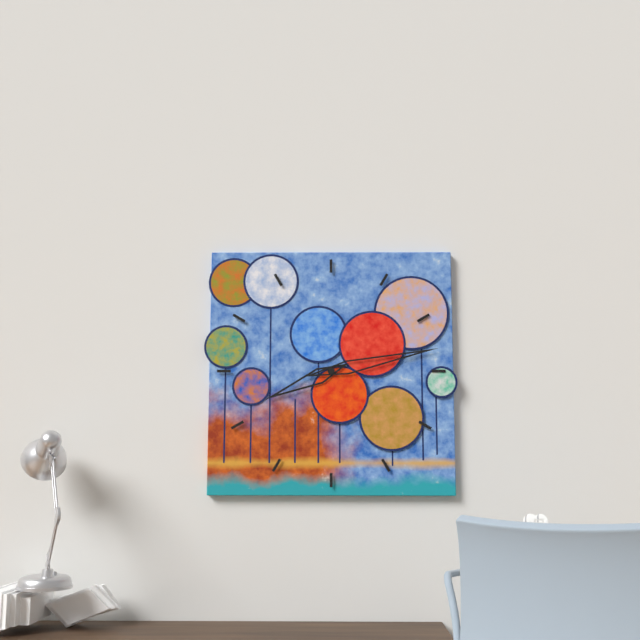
**8:13**
